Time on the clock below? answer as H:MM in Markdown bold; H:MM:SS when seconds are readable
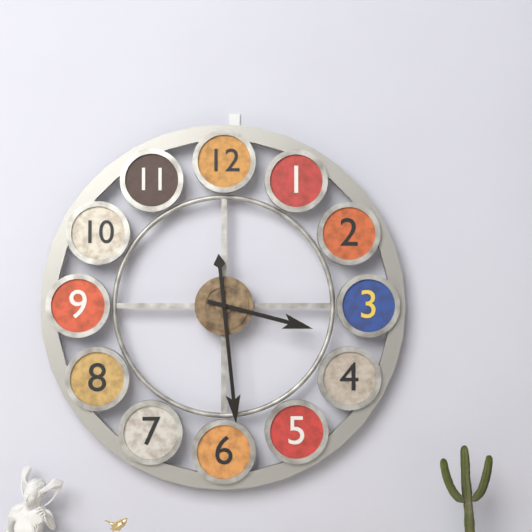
**3:29**
